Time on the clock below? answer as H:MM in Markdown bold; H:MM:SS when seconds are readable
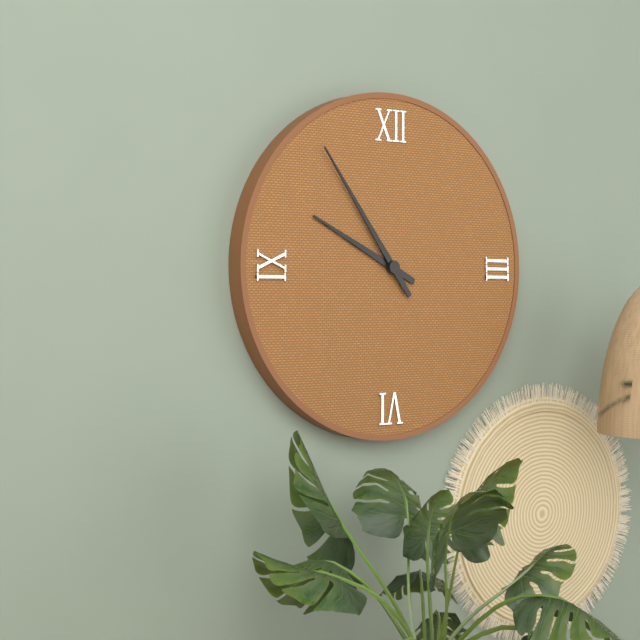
**9:54**
